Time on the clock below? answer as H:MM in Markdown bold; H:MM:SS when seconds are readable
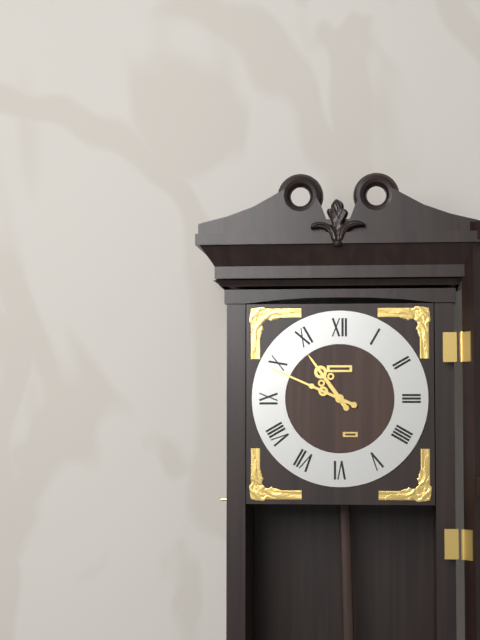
**10:49**
